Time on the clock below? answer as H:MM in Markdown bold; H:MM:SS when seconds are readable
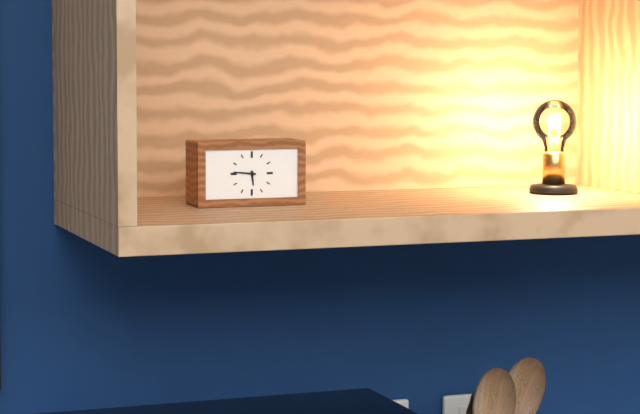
**5:46**
